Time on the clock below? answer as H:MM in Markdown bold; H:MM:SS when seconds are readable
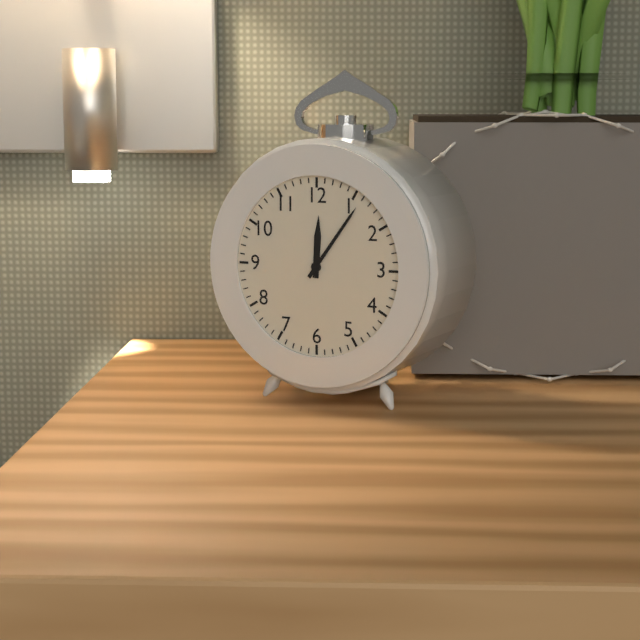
**12:06**
